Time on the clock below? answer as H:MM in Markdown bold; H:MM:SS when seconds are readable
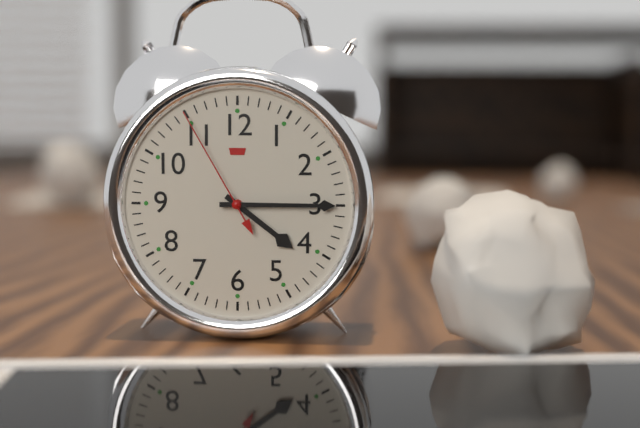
**4:15:55**
